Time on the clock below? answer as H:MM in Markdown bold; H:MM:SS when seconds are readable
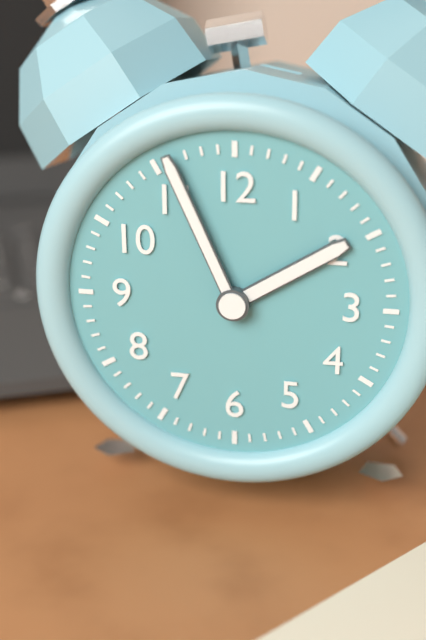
**1:56**
